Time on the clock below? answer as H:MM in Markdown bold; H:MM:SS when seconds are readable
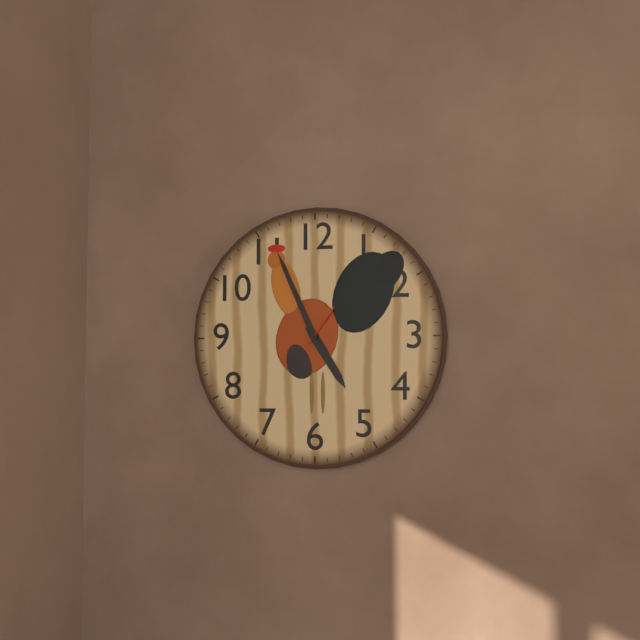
**4:56**
